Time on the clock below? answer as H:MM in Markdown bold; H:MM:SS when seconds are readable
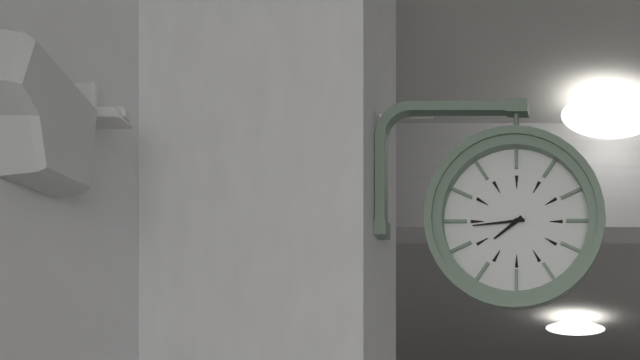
**7:44**
